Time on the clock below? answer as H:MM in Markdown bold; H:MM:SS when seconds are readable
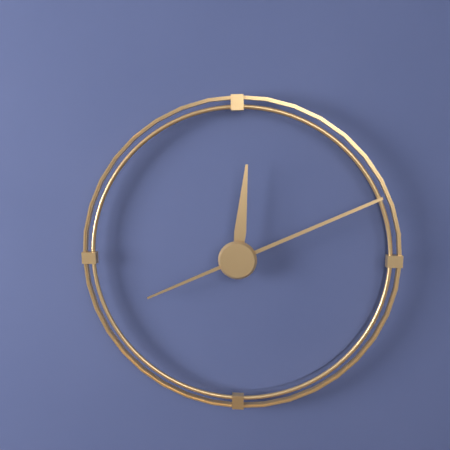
**12:11**
